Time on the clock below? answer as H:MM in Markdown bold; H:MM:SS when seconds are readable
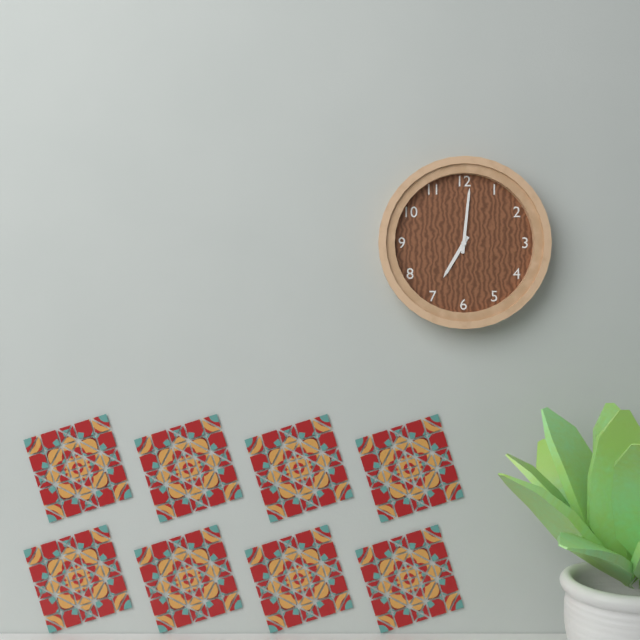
**7:01**
